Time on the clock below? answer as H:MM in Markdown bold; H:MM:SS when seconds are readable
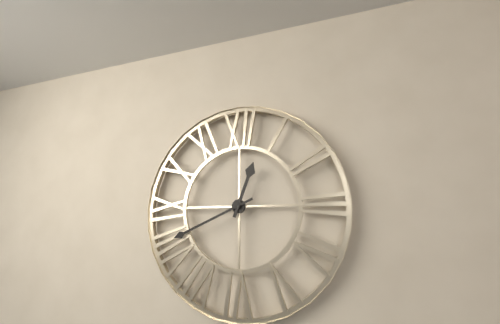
**12:41**
